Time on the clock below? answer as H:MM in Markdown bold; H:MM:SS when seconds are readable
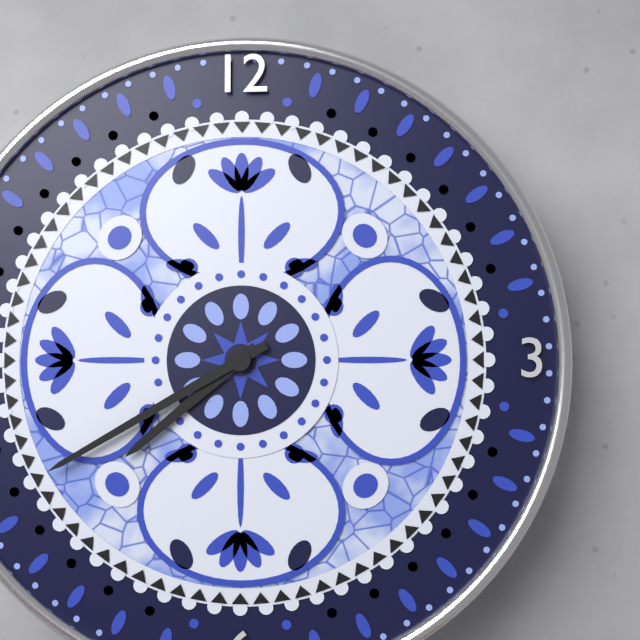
**7:40**
